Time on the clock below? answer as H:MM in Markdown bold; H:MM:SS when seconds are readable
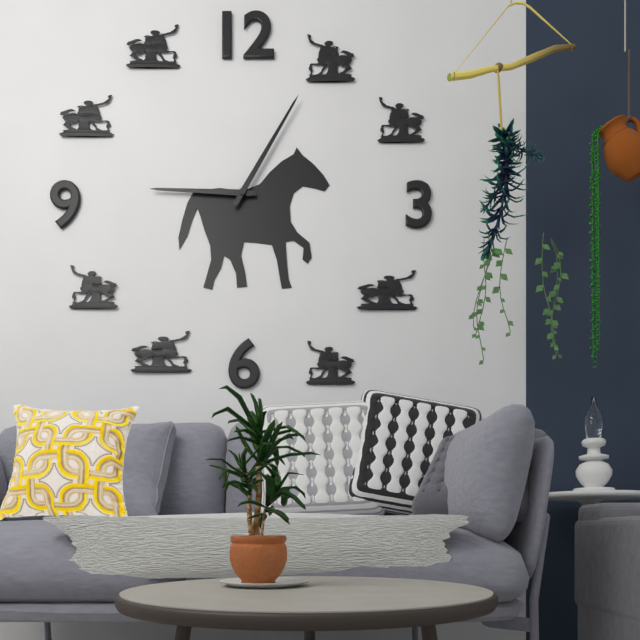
**9:05**
